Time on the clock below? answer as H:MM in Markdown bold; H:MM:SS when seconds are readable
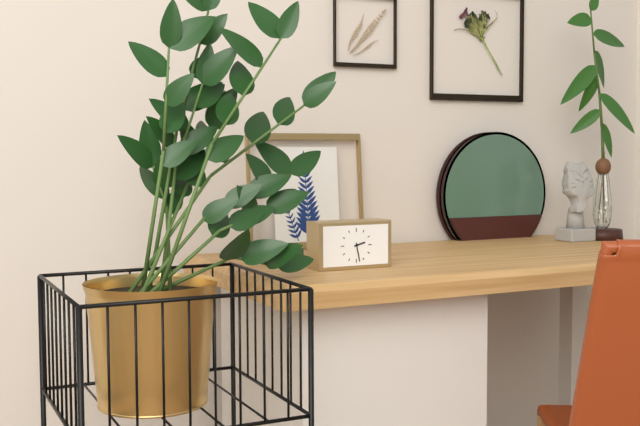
**2:28**
